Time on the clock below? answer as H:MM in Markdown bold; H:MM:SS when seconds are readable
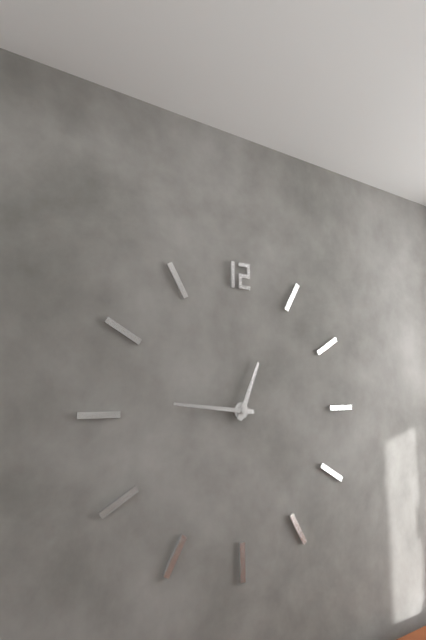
**12:46**
